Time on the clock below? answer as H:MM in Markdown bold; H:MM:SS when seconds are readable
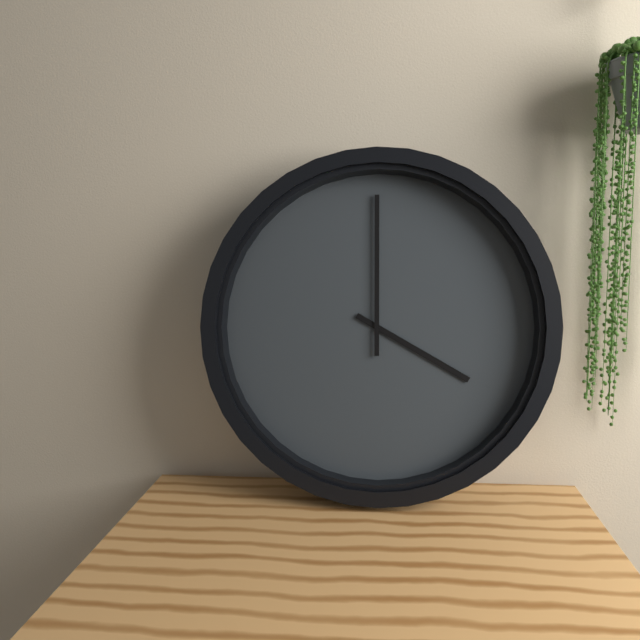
**4:00**
